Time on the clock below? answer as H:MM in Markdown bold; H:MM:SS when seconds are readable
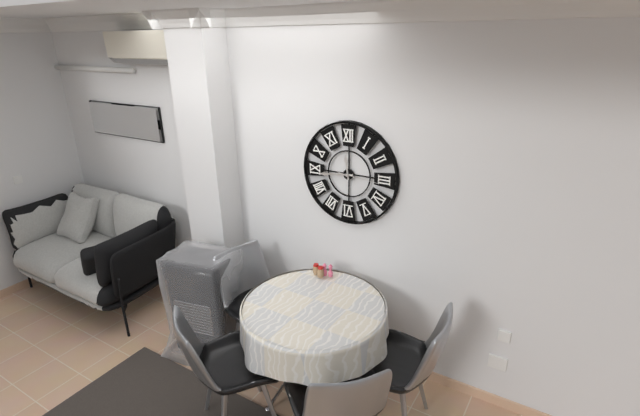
**11:44**
